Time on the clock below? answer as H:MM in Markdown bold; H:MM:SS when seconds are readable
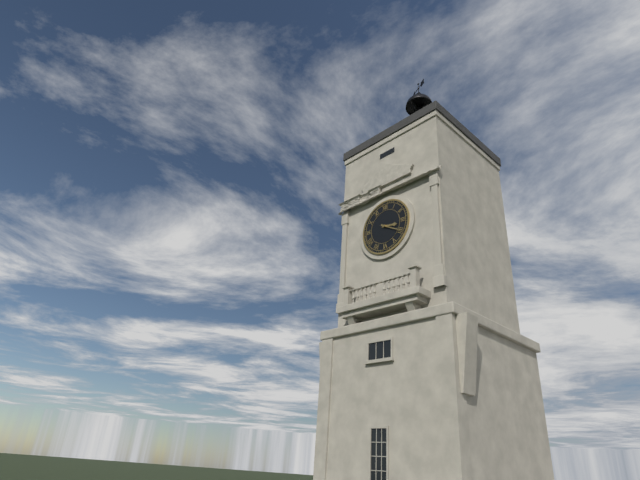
**3:20**
